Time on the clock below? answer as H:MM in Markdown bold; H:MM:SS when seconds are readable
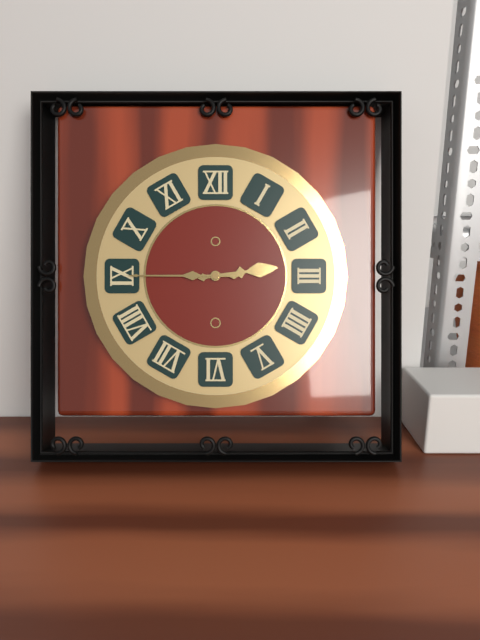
**2:45**
